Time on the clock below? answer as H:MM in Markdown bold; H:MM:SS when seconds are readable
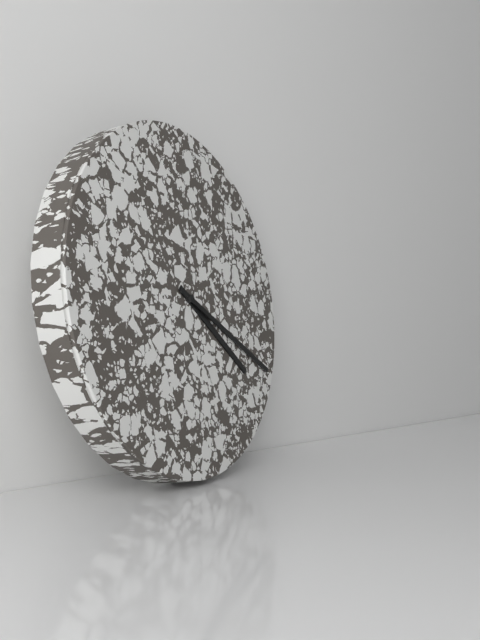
**4:20**
